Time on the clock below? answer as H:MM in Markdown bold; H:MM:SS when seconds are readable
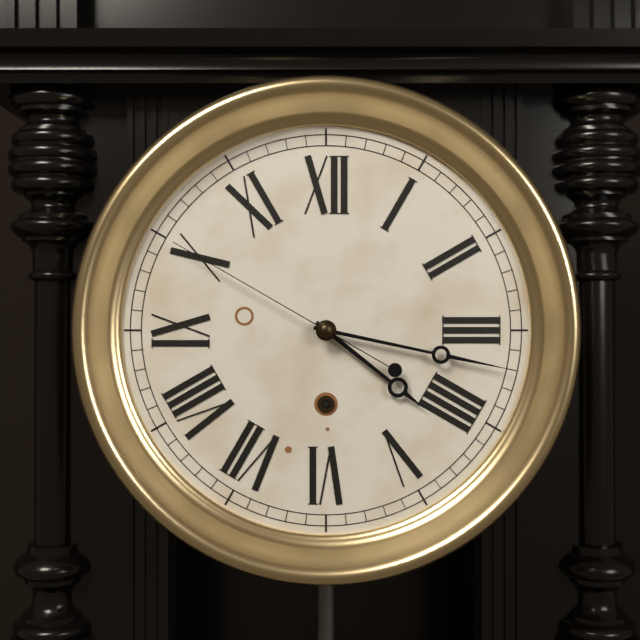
**4:17:50**
